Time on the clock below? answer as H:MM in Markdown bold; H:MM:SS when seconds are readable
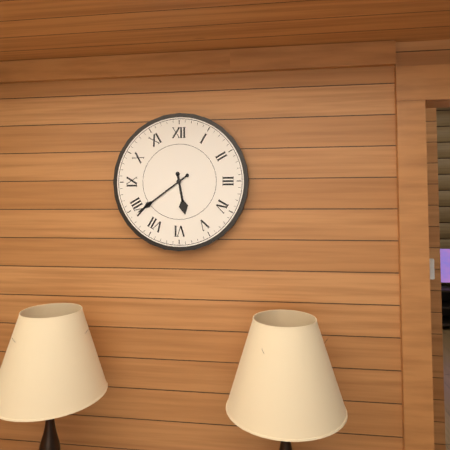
**5:39**
